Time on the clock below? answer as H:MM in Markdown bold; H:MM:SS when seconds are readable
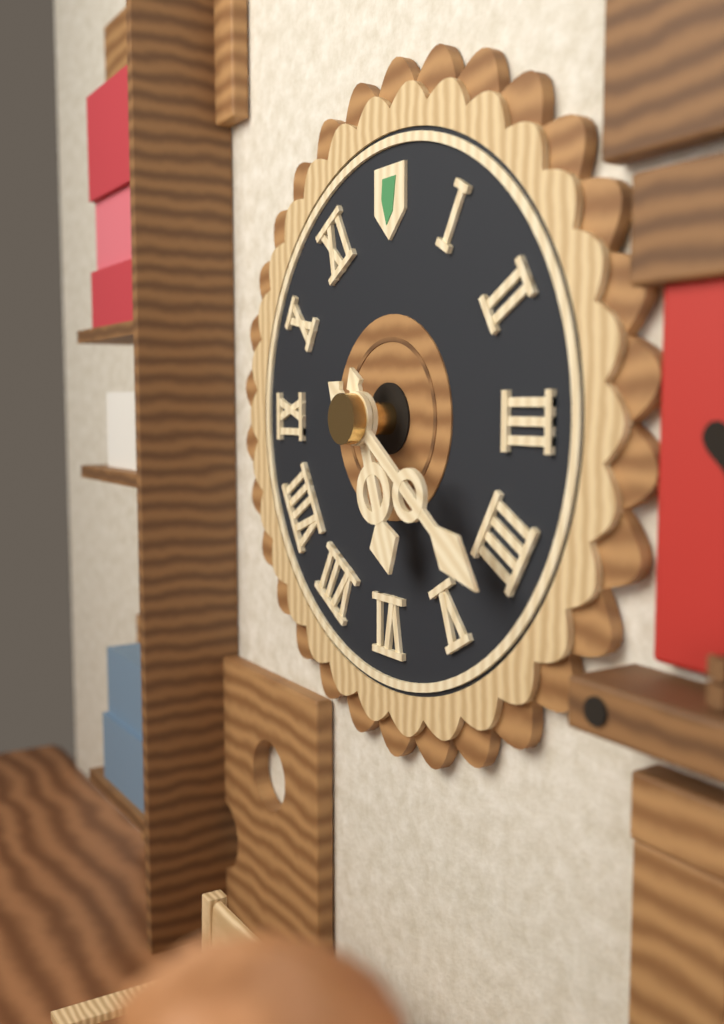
**5:21**
